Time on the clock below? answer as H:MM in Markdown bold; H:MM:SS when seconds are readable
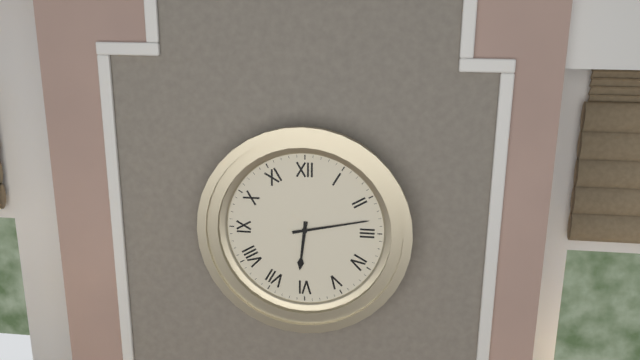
**6:13**
